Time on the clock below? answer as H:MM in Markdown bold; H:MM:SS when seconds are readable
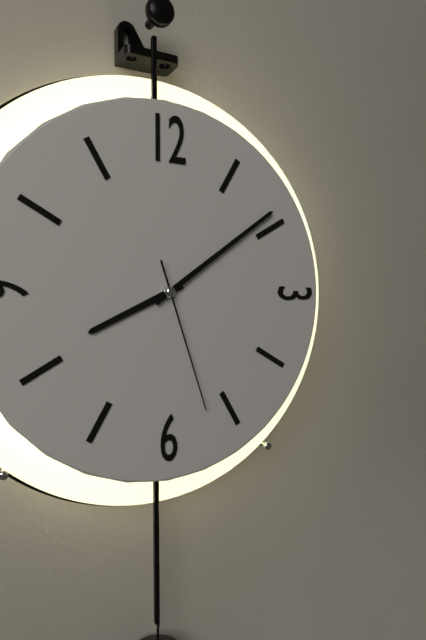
**8:09:27**
